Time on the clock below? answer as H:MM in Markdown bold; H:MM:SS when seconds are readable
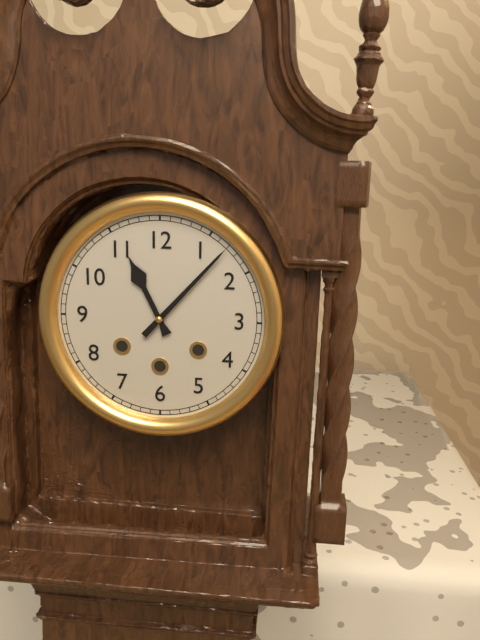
**11:07**
